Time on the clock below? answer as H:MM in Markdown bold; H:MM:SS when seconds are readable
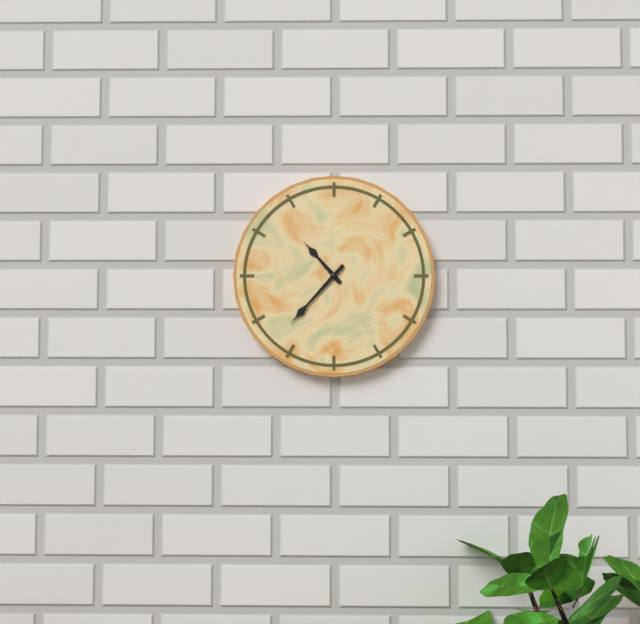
**10:37**
